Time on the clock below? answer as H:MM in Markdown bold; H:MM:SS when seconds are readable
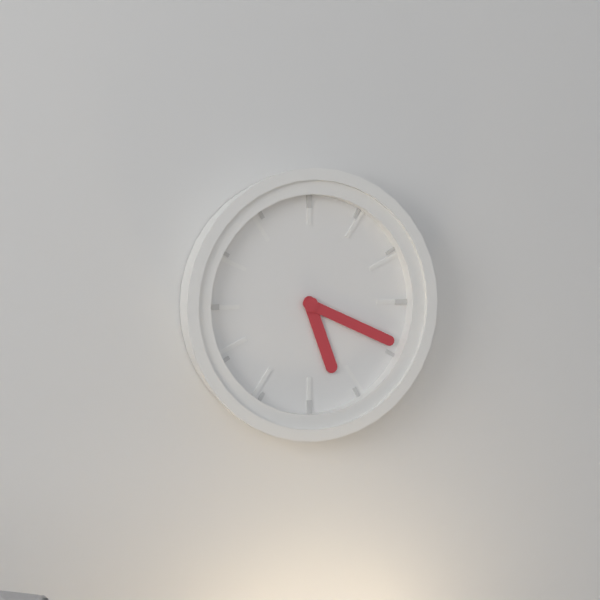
**5:19**
